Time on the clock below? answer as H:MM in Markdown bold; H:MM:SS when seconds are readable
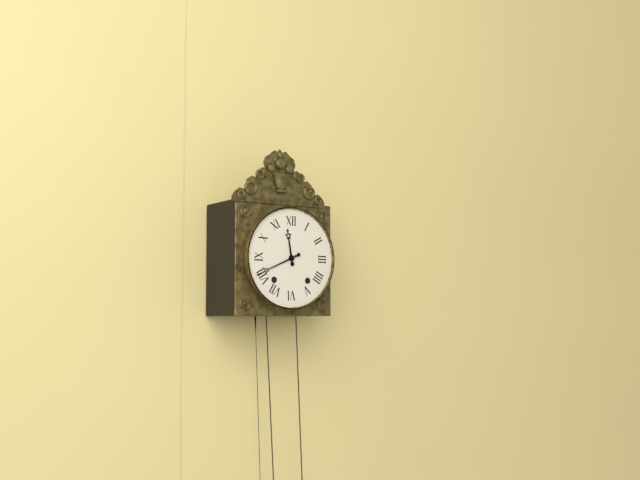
**11:41**
